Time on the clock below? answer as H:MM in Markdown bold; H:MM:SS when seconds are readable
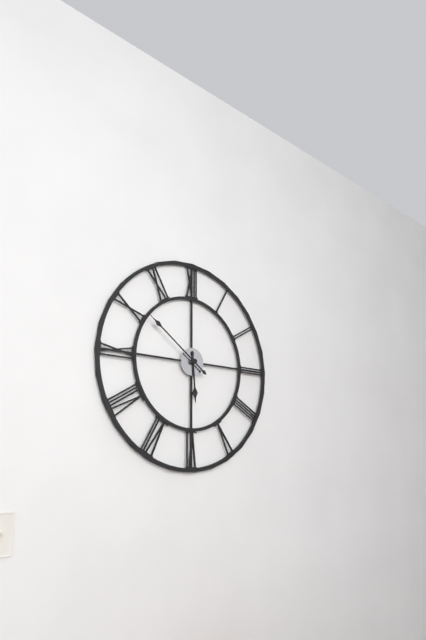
**5:51**
